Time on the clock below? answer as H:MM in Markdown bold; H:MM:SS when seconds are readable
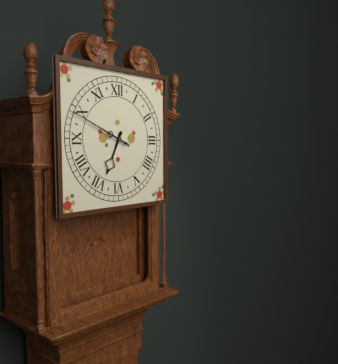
**6:49**
